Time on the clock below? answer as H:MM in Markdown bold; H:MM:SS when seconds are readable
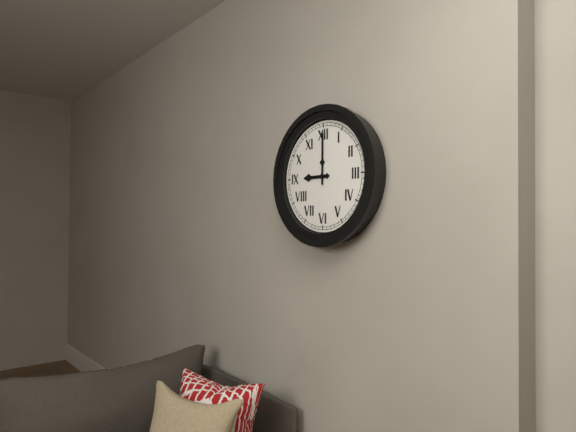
**9:00**
